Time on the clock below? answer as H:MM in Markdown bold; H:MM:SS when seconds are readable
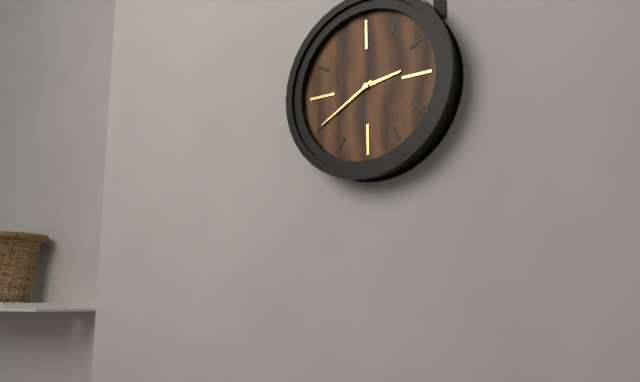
**2:40**
